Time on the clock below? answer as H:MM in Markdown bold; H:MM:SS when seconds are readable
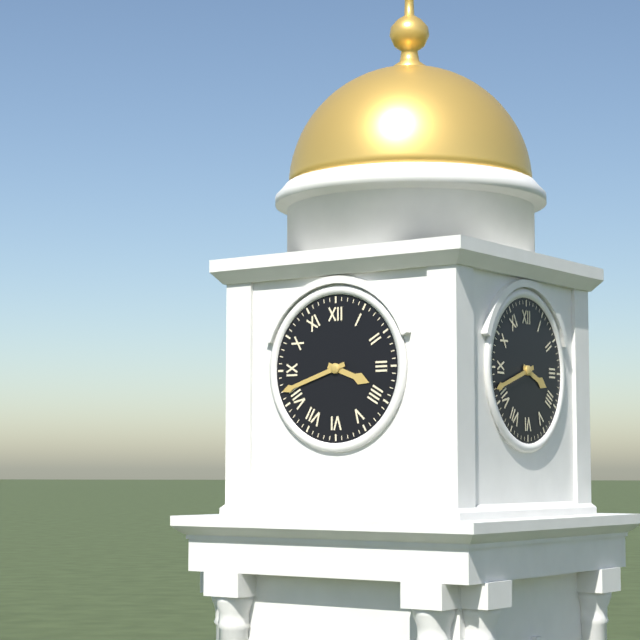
**3:42**
